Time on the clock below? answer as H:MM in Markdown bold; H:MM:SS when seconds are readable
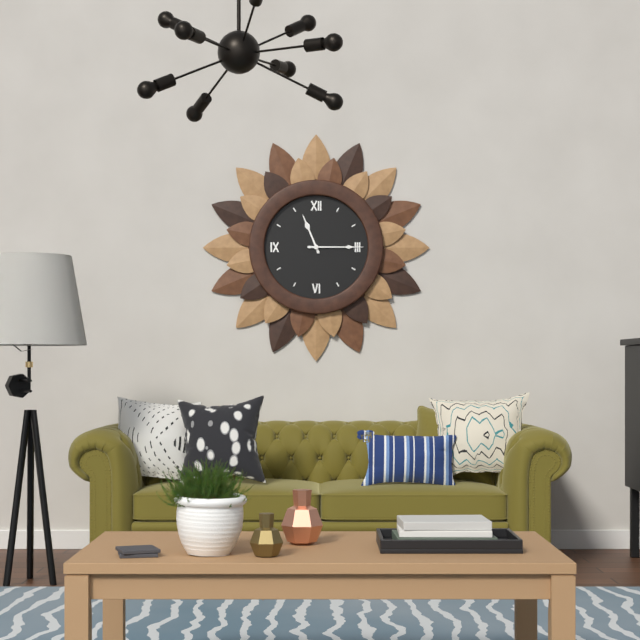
**11:15**
